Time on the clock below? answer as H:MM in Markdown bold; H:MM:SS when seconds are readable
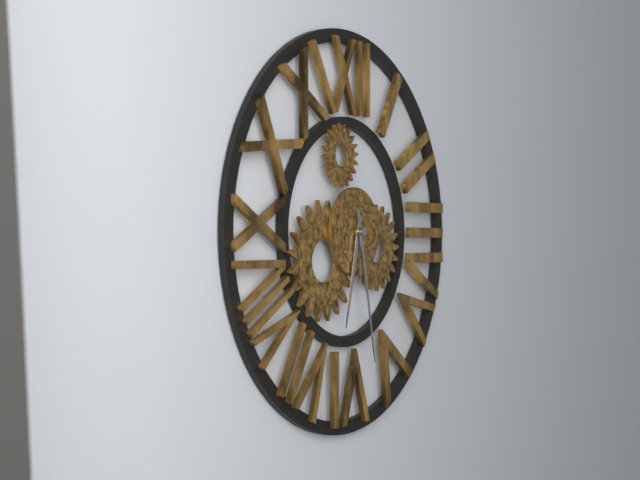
**6:28**
